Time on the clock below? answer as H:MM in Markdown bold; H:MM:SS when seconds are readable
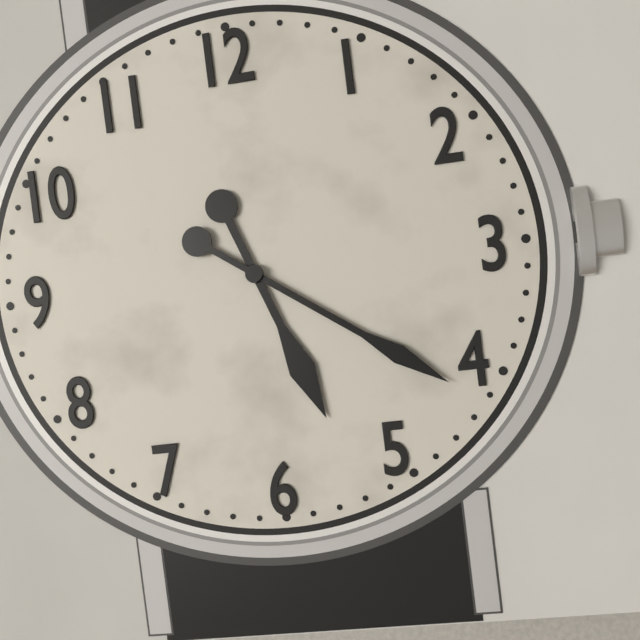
**5:21**
